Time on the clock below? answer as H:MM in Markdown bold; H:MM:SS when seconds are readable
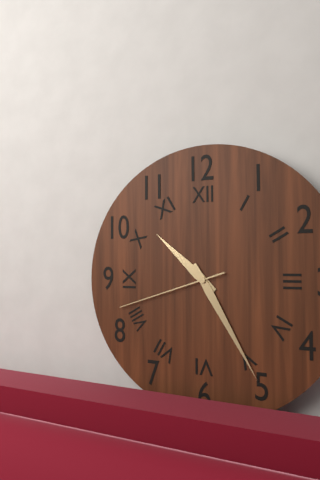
**10:25:42**
